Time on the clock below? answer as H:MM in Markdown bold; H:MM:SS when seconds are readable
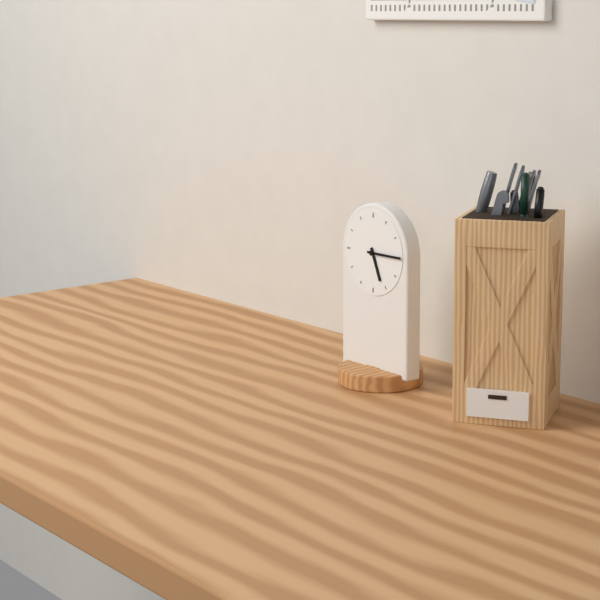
**5:15**
